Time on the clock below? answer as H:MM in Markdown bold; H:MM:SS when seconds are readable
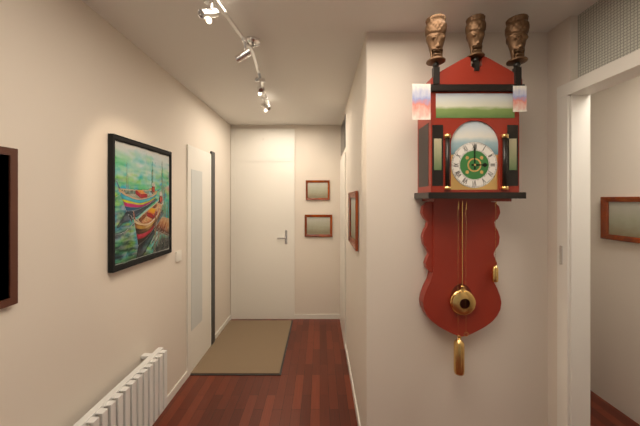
**3:00**
